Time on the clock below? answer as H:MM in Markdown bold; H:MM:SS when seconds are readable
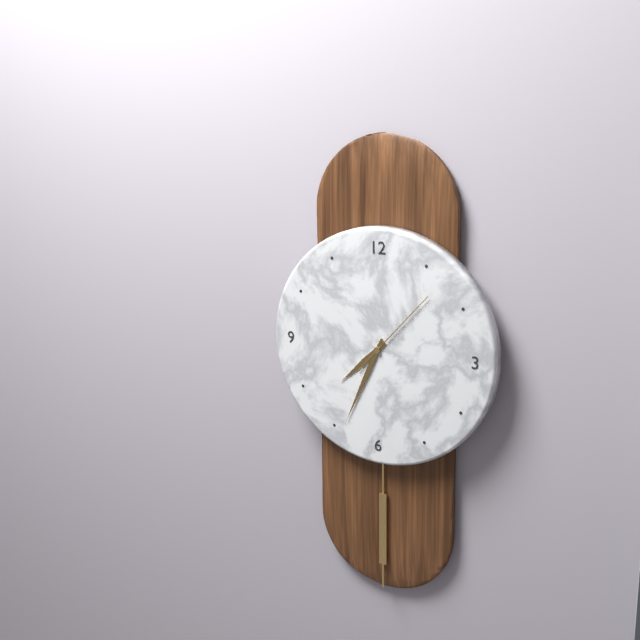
**7:34:07**
